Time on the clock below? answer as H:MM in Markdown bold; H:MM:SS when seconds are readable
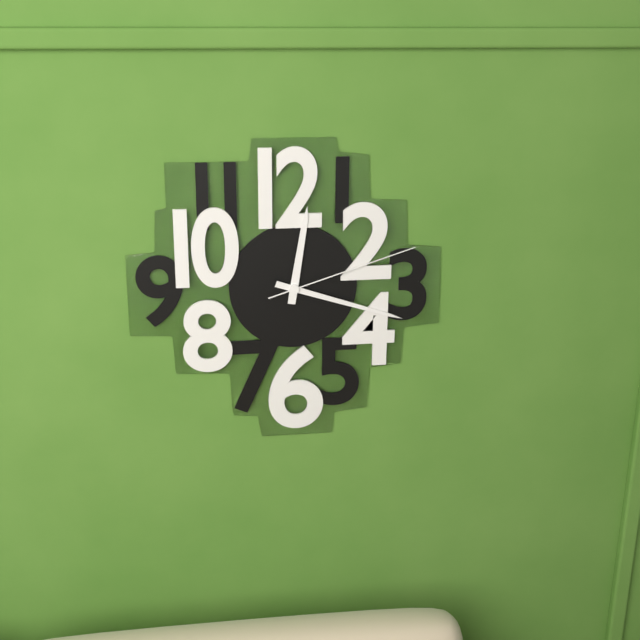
**12:18:12**
